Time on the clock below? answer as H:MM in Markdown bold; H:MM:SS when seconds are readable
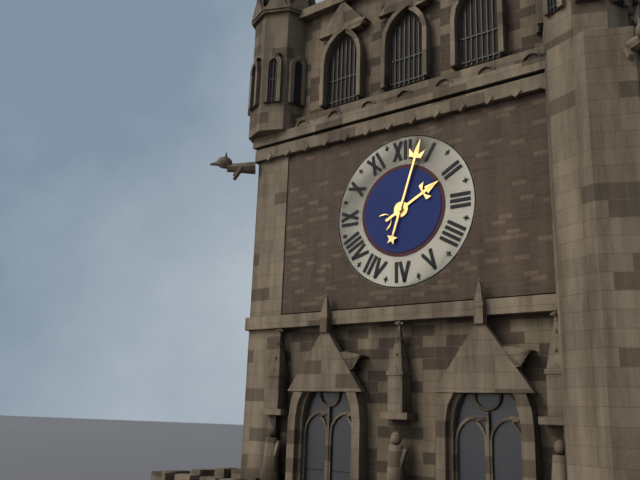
**2:03**
